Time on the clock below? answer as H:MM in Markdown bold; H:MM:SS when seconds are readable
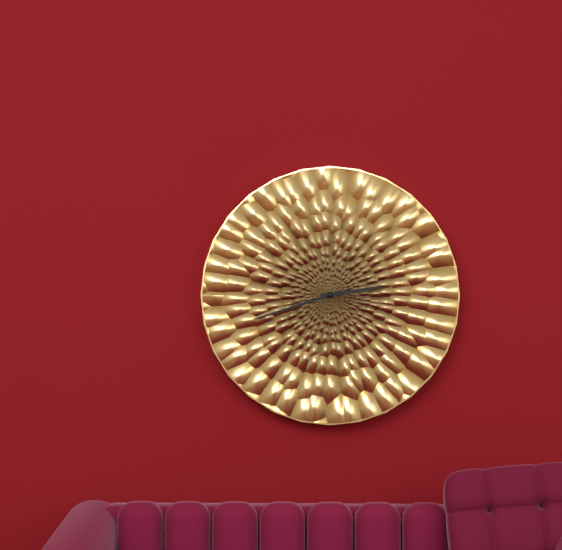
**2:42**
